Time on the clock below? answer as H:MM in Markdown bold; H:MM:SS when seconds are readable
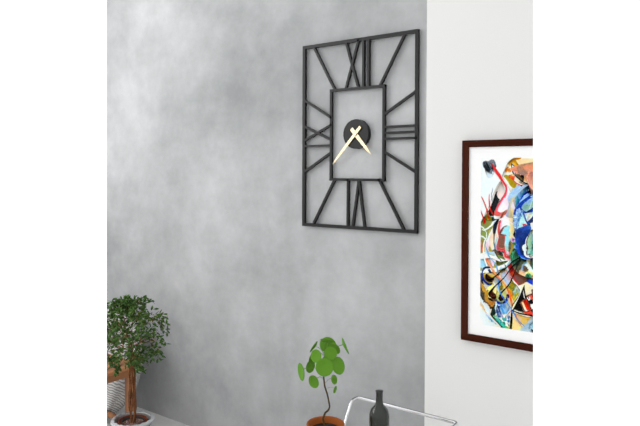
**4:37**
